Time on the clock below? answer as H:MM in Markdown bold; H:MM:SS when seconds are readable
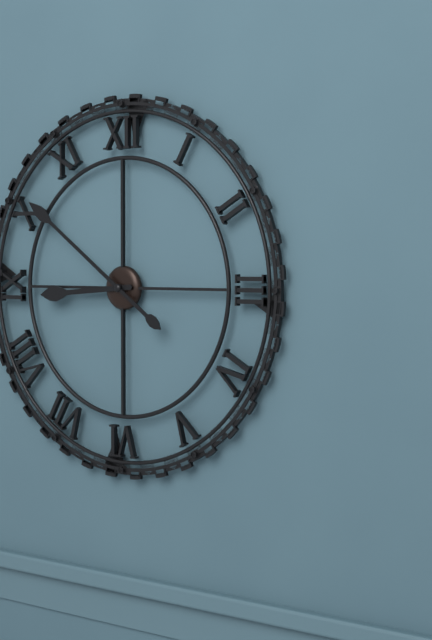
**8:51**
